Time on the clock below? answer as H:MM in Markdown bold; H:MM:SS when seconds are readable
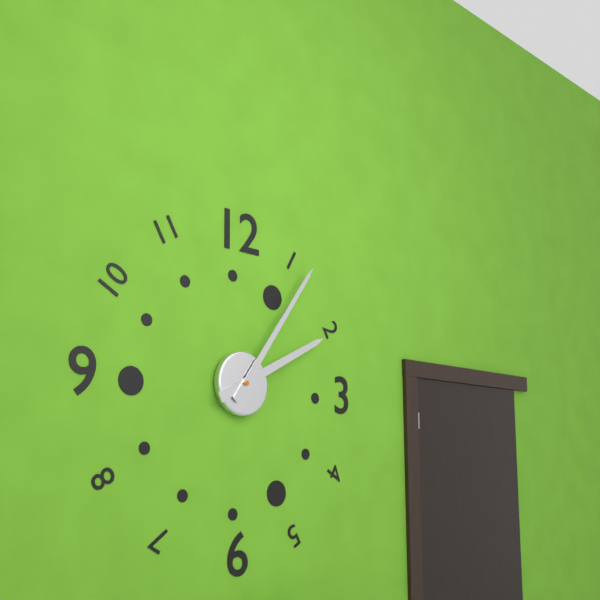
**2:06**
